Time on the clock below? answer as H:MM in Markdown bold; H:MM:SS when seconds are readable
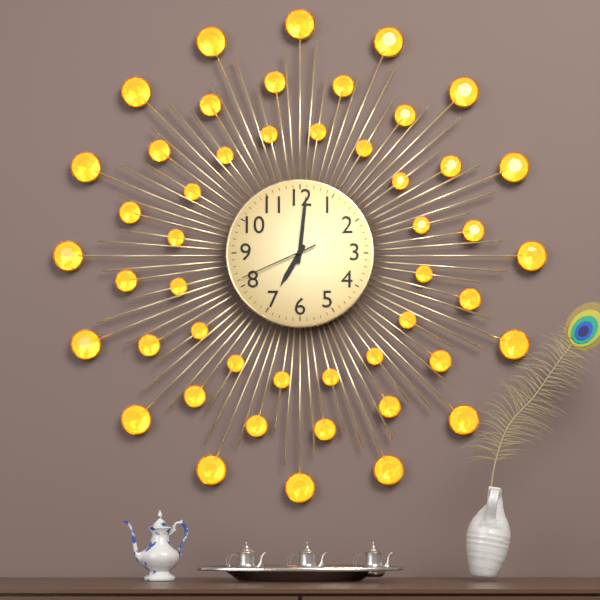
**7:01:41**
